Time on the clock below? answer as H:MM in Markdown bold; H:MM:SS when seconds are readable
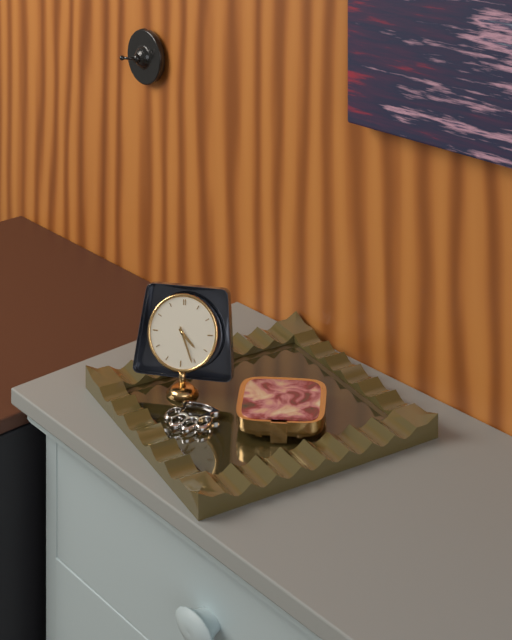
**4:26**
